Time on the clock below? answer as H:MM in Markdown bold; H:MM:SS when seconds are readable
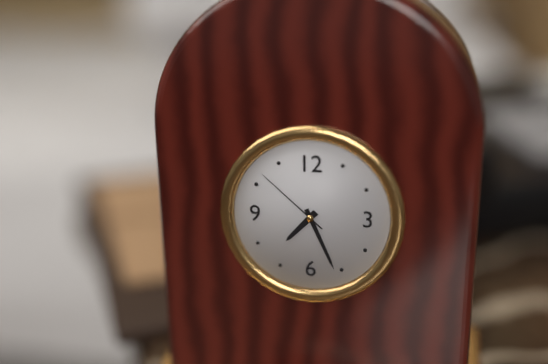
**7:26:52**
